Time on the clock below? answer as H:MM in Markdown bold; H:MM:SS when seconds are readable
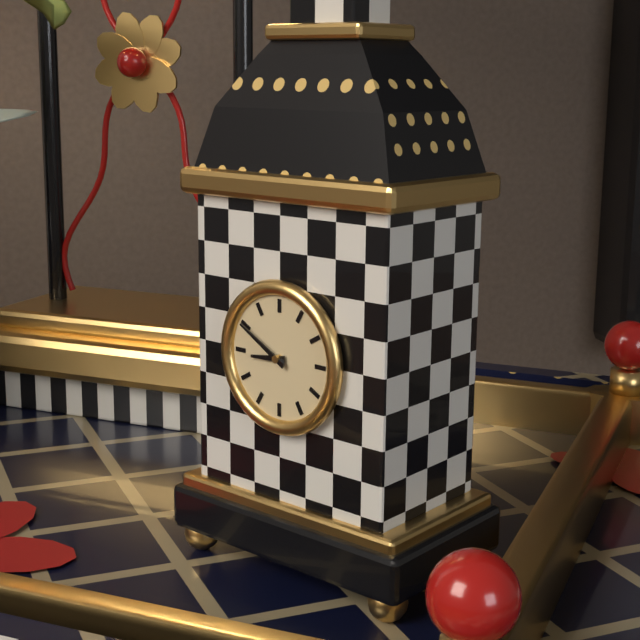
**8:50**
